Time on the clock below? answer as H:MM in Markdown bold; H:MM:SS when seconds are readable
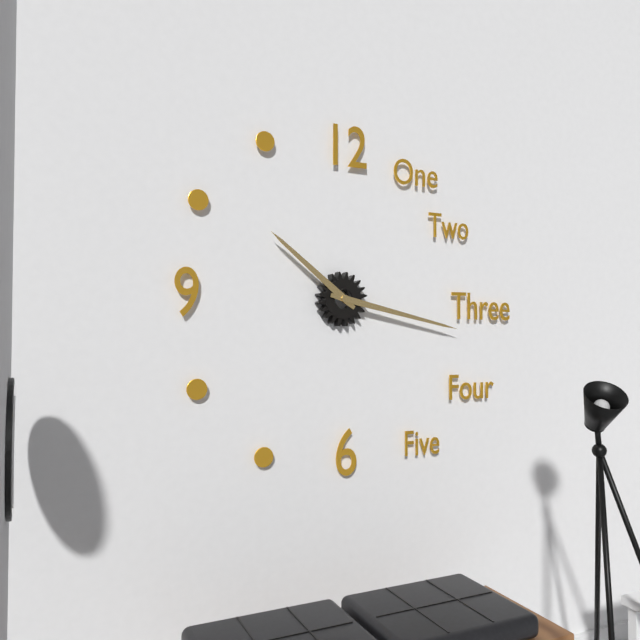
**10:17**
